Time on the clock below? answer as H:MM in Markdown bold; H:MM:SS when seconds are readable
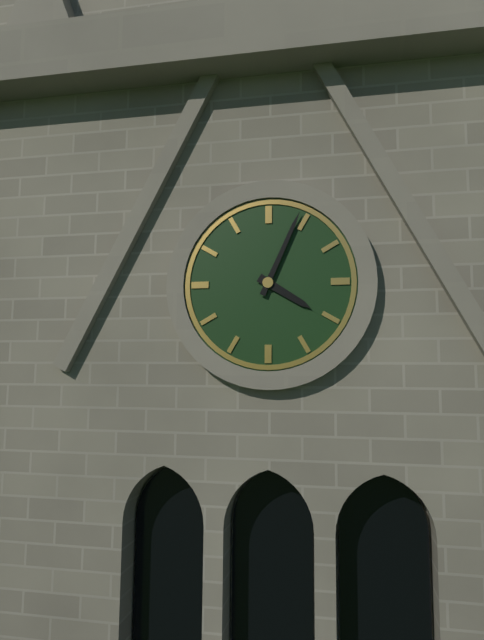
**4:04**
